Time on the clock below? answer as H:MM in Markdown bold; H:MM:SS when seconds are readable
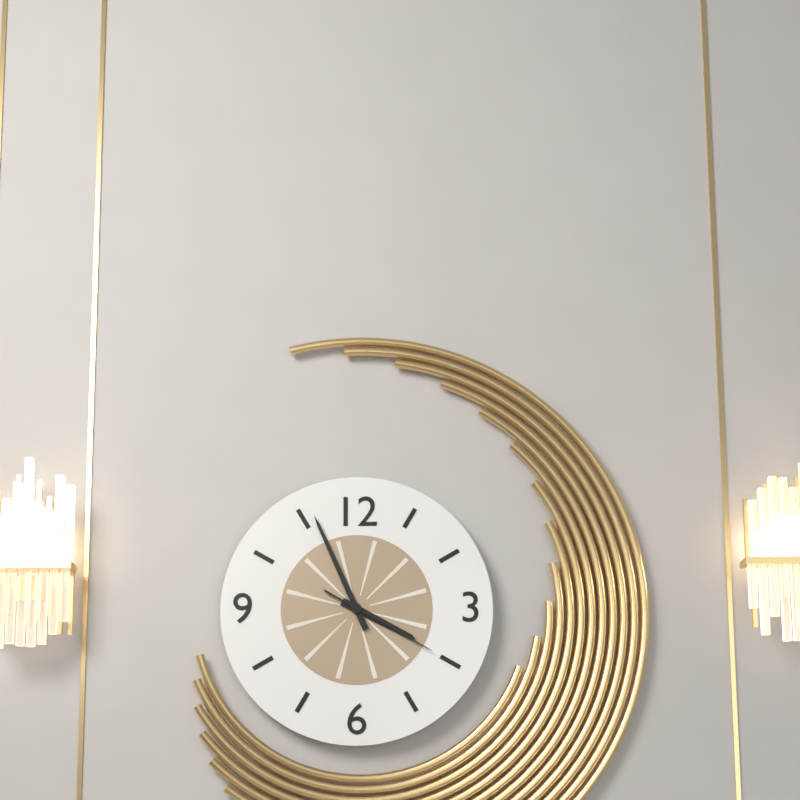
**3:56:20**
